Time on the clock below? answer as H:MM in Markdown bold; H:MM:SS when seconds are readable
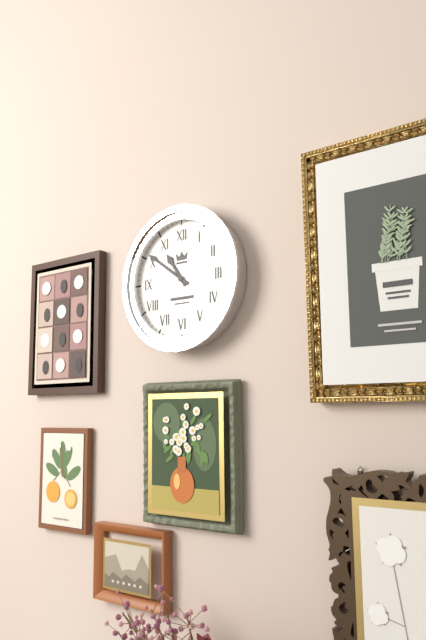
**10:51**
